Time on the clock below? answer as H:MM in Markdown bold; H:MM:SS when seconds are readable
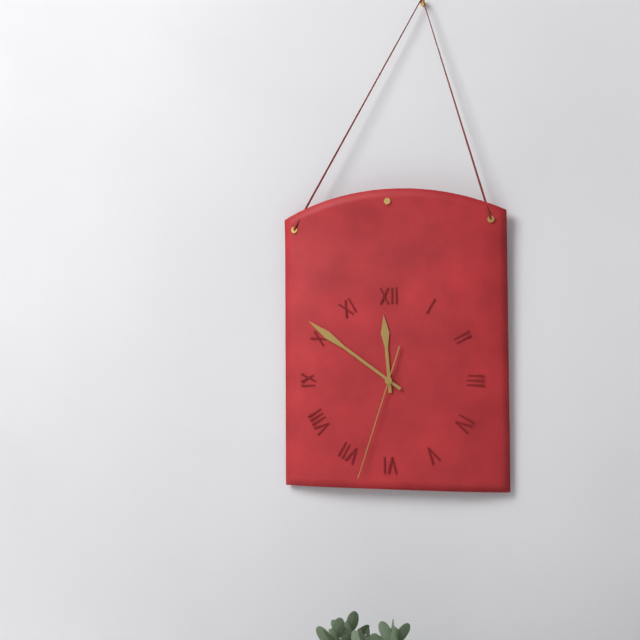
**11:51:33**
